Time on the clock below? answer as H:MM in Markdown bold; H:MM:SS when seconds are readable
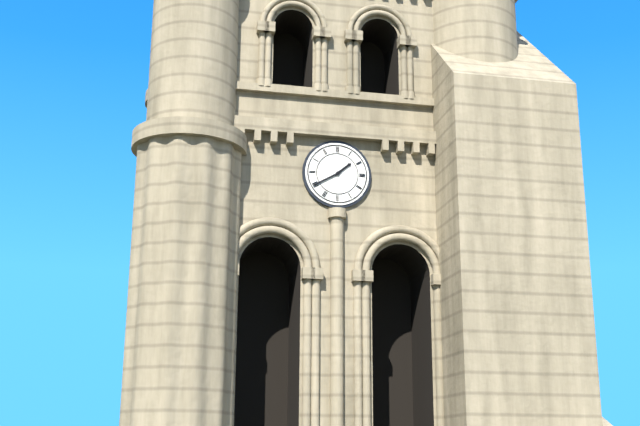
**1:40**
